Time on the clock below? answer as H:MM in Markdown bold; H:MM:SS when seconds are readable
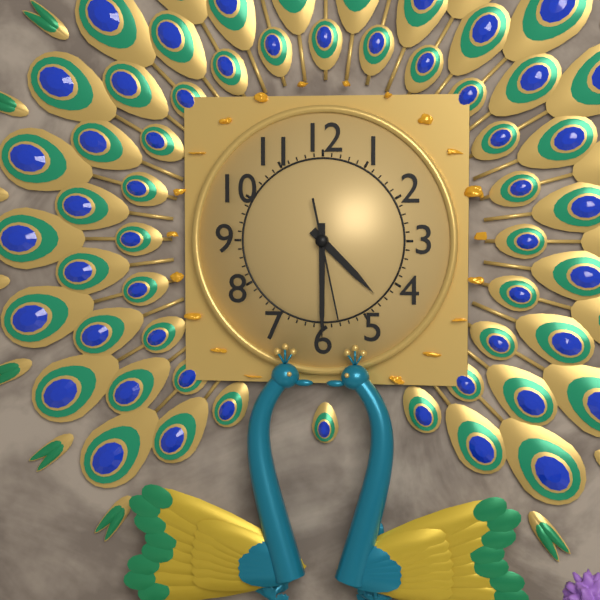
**4:30:28**
